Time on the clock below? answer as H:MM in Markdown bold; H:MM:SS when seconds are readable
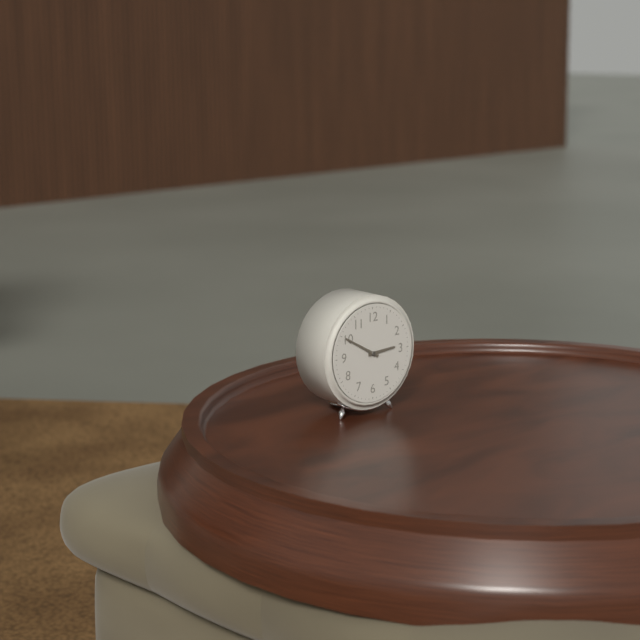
**2:50**
